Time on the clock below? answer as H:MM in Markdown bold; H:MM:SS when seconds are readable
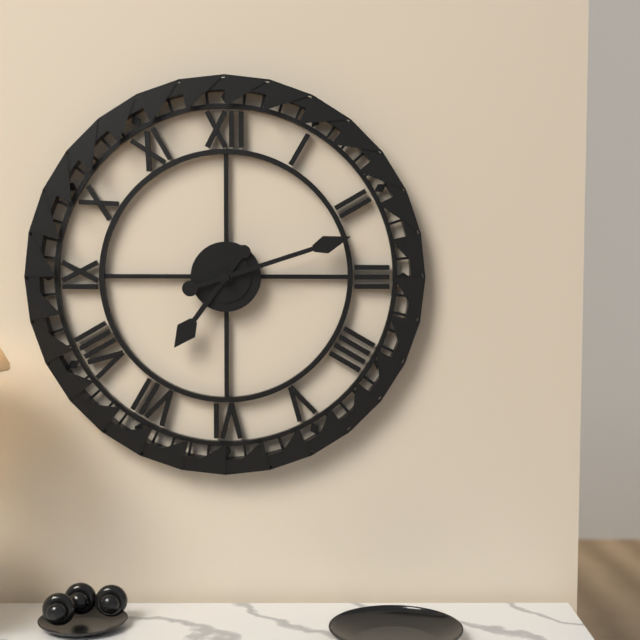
**7:12**
